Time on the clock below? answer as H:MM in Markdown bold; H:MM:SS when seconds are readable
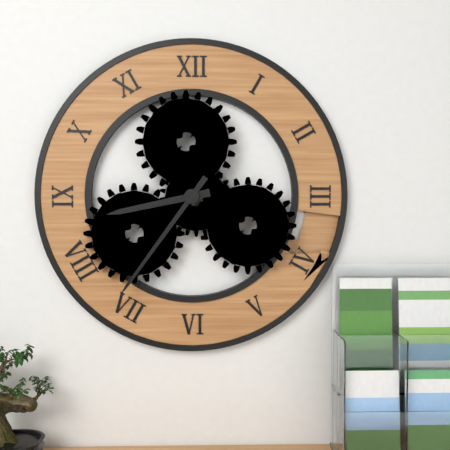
**8:36**
